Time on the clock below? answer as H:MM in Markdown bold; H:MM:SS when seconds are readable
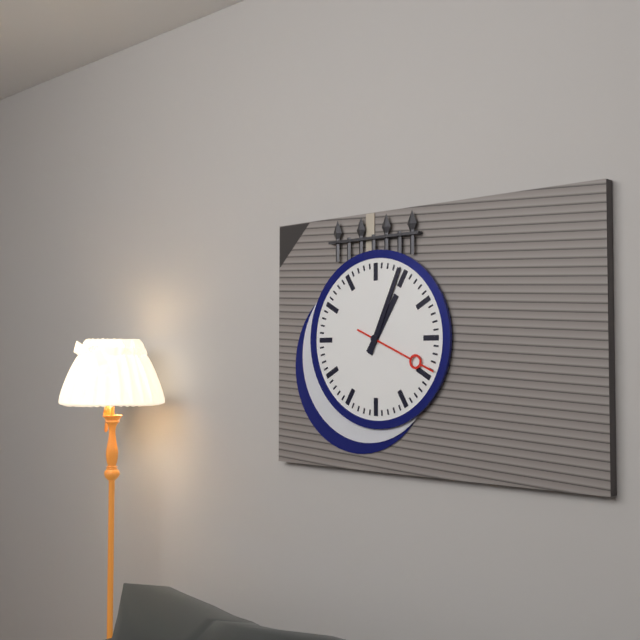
**1:04:19**
